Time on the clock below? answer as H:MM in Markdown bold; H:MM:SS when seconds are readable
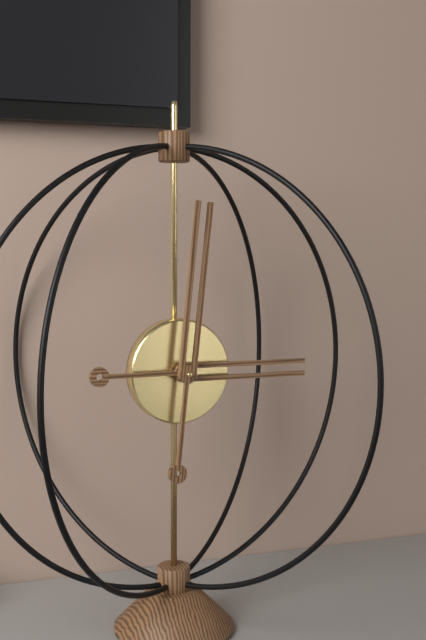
**3:01**
